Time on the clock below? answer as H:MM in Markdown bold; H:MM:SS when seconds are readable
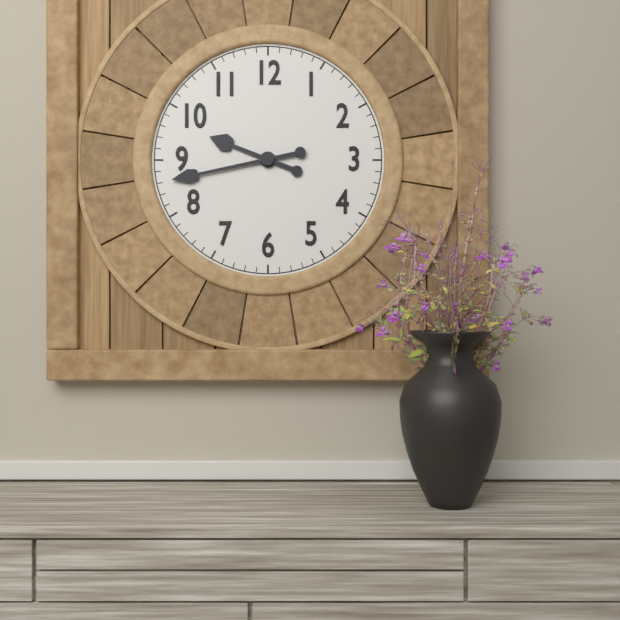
**9:43**
